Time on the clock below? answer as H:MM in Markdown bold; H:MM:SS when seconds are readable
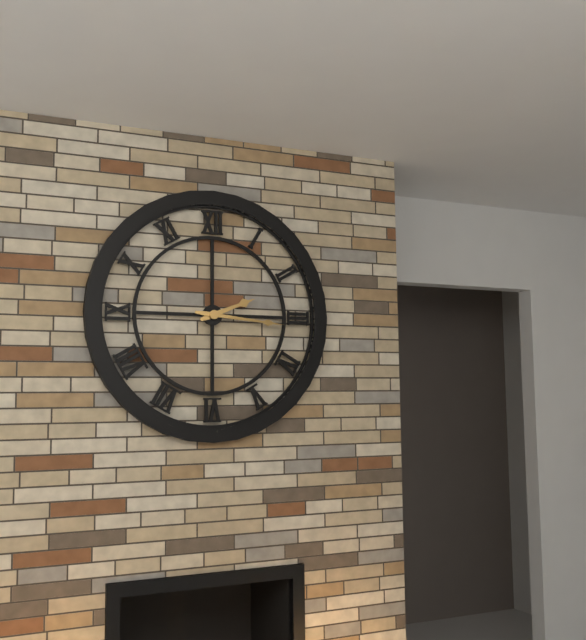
**2:16**
